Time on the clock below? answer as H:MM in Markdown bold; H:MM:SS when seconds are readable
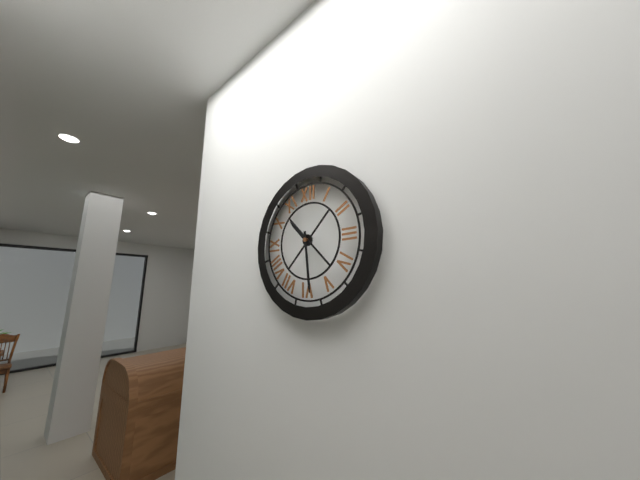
**10:29**
